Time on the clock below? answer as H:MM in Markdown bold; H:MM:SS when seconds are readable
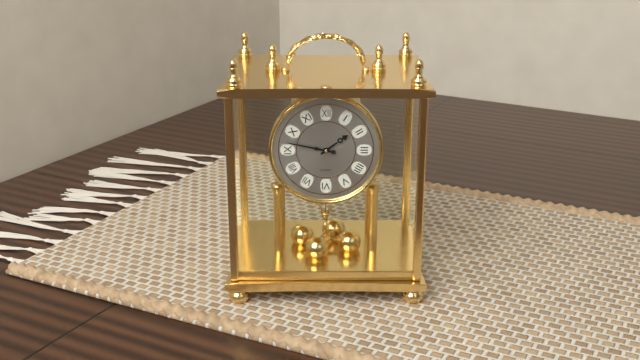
**1:47**
